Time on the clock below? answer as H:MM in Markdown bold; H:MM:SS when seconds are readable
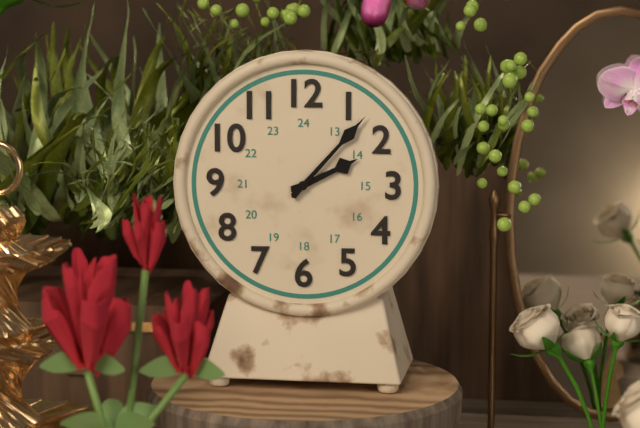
**2:07**
